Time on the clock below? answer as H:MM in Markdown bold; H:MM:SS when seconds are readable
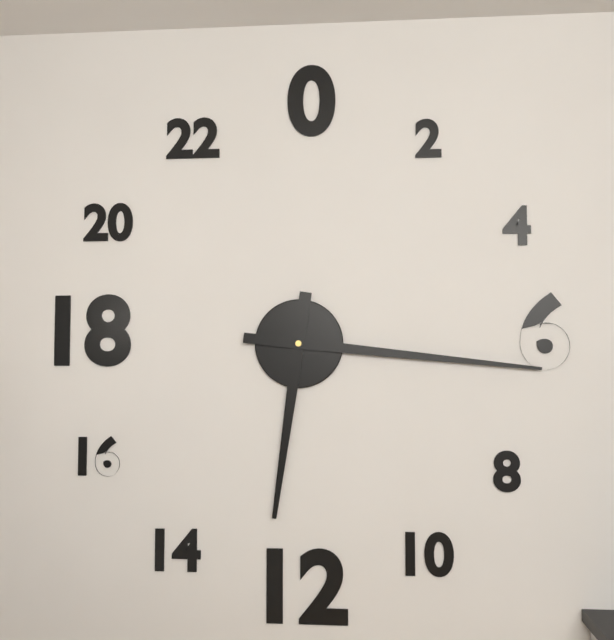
**6:16**
